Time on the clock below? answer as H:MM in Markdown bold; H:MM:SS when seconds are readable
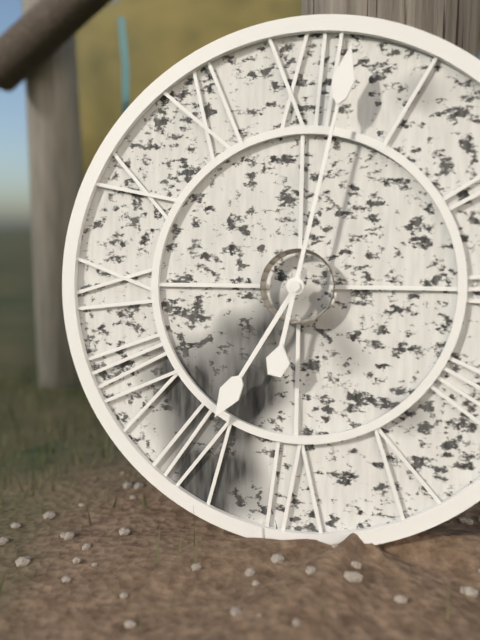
**7:02**
